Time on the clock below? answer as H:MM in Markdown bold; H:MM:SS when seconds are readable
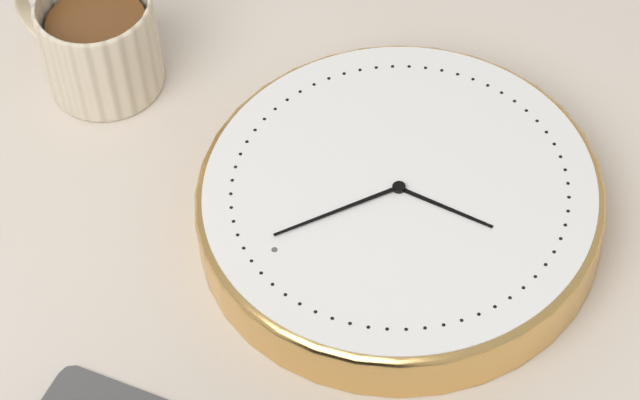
**8:01**
